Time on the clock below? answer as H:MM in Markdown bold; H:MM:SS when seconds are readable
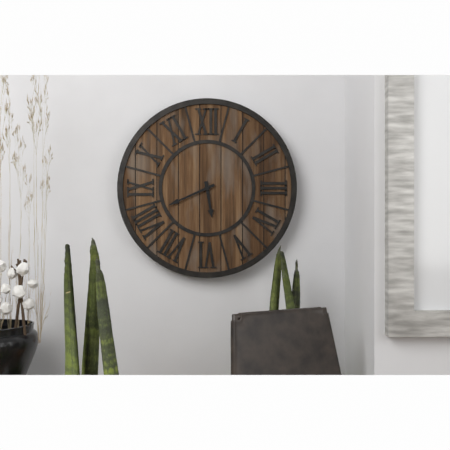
**5:41**
